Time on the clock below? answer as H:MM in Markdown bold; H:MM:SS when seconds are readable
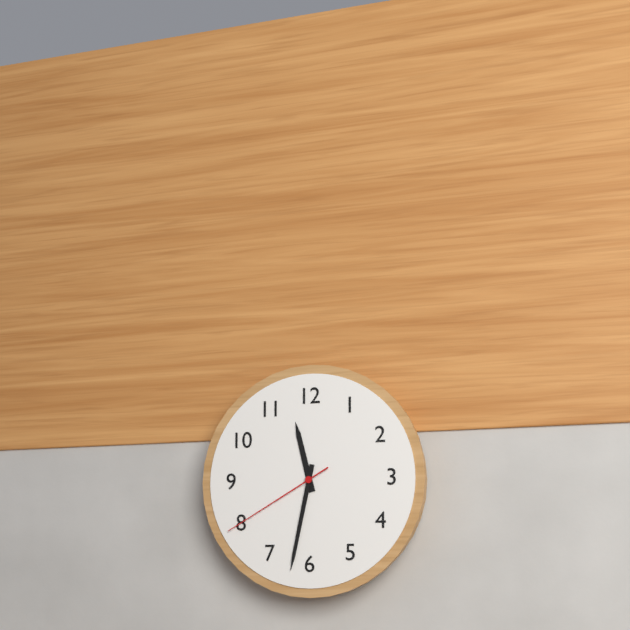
**11:32:40**
